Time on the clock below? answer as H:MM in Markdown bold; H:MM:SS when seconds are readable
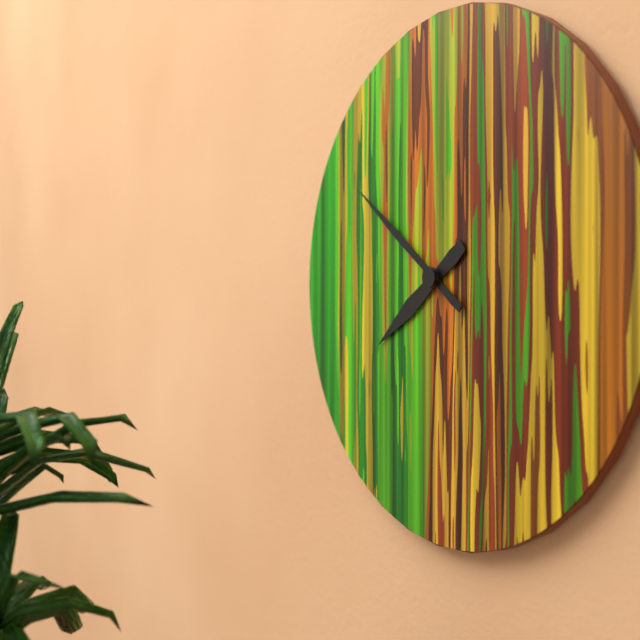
**7:51**
